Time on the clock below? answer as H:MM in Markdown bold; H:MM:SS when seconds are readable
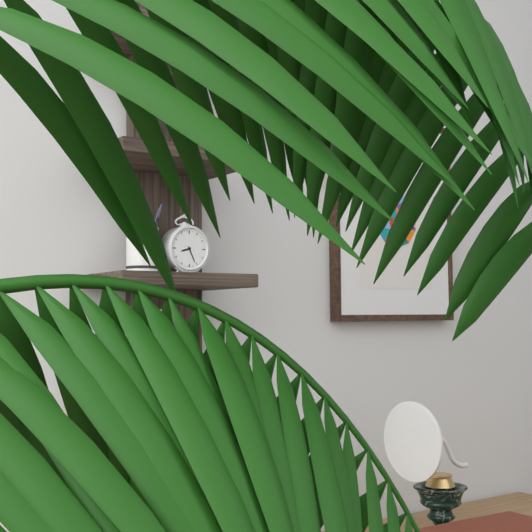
**8:26**
